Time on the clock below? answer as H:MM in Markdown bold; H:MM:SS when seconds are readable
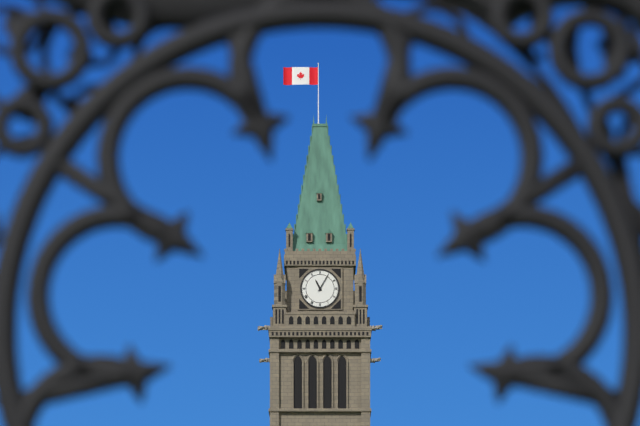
**11:05**
